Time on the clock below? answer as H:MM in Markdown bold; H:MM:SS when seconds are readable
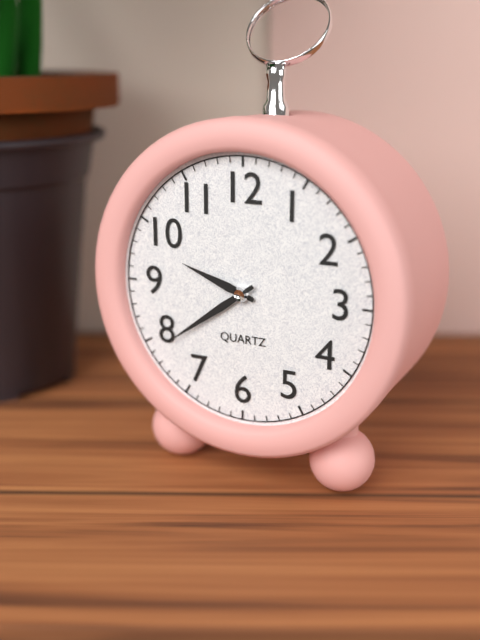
**9:39**
